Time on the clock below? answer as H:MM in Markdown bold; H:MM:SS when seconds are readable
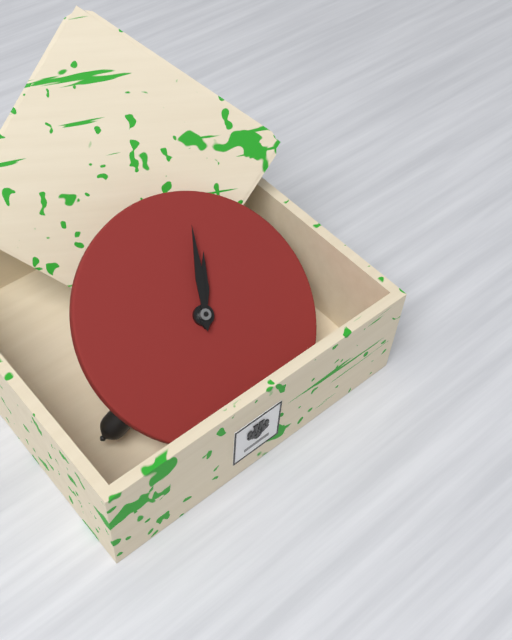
**1:04**
